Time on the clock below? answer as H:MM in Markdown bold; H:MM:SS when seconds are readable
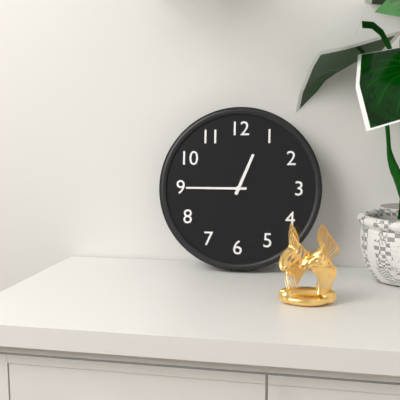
**12:45**
